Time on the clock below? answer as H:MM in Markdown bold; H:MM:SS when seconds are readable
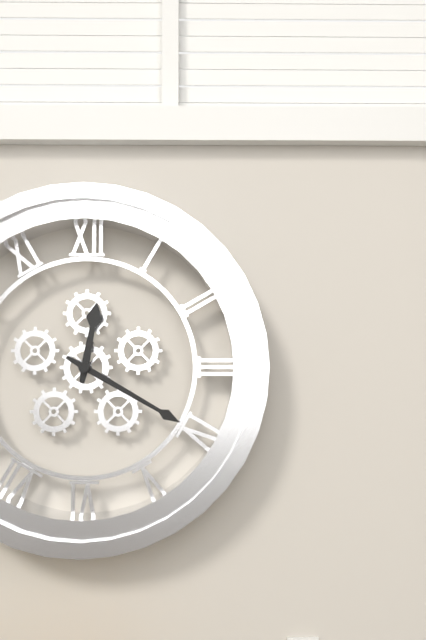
**12:20**
